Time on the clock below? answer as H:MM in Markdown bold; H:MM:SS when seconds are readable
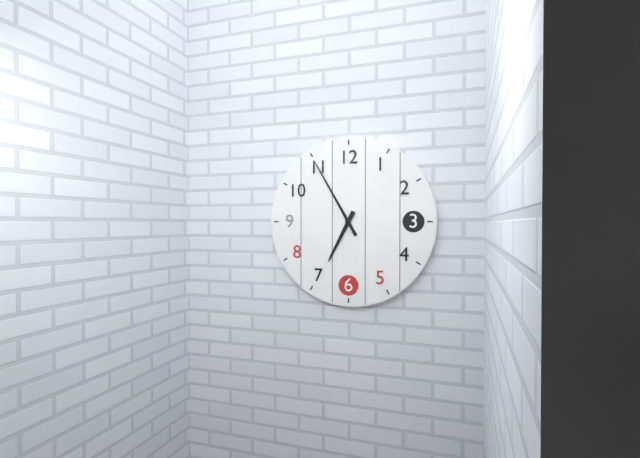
**6:55**
